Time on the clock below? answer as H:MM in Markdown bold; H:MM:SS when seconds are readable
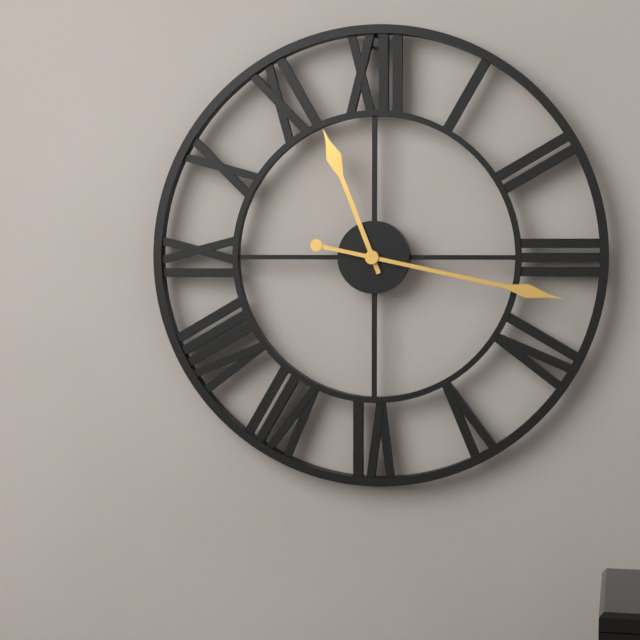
**11:17**
